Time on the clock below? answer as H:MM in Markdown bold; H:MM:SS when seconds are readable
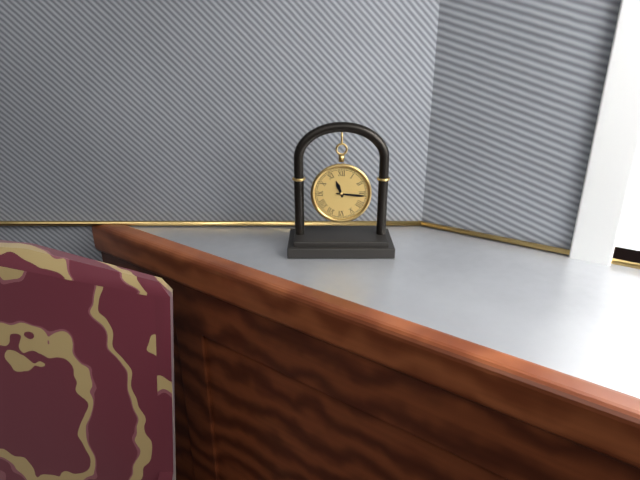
**11:16**
